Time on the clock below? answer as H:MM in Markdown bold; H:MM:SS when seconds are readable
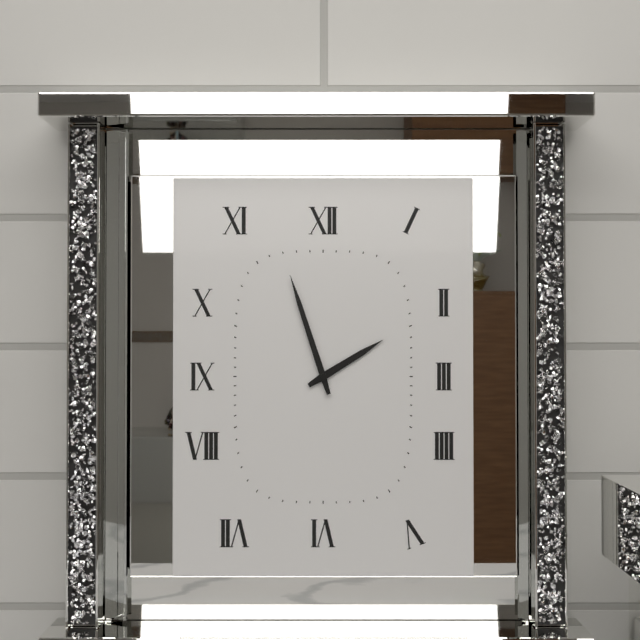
**1:57**
